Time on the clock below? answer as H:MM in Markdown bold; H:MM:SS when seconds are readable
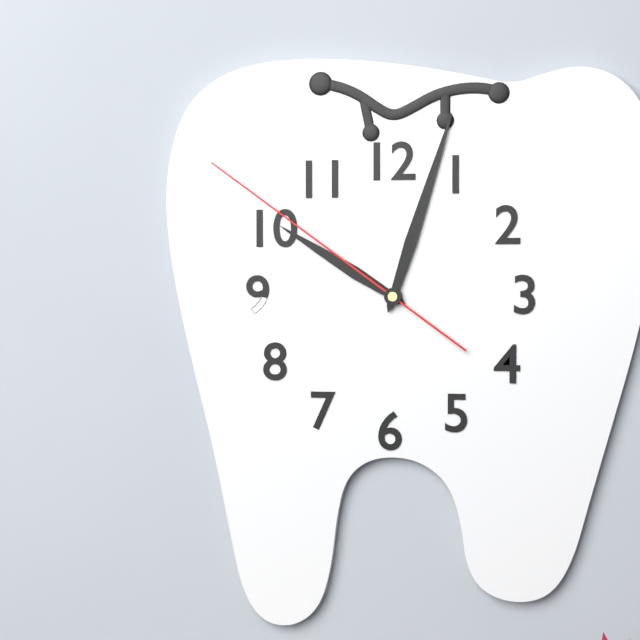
**10:03:51**
